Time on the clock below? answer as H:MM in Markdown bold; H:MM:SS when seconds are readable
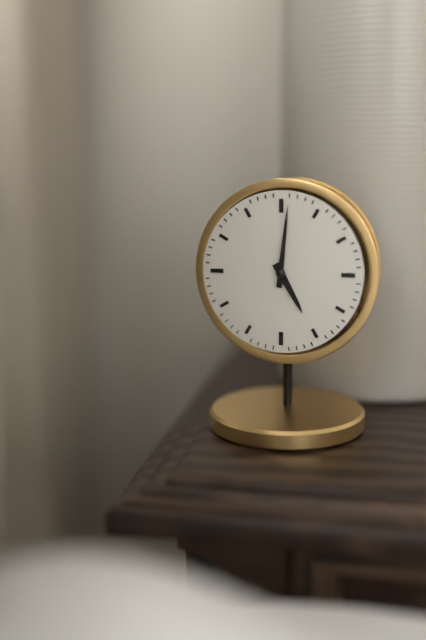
**5:01**
